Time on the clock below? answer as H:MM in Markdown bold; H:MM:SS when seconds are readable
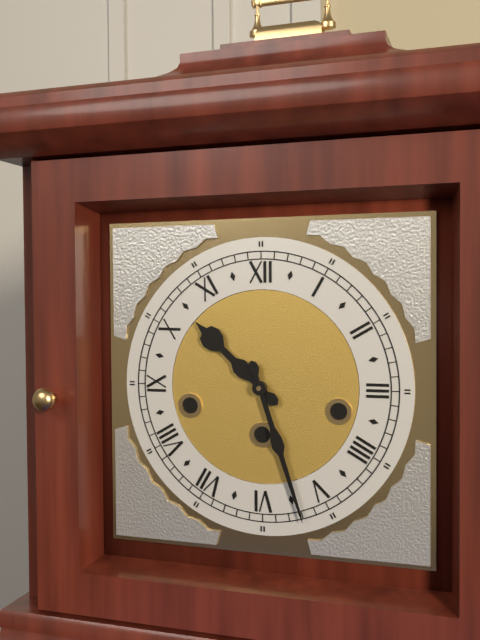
**10:27**
